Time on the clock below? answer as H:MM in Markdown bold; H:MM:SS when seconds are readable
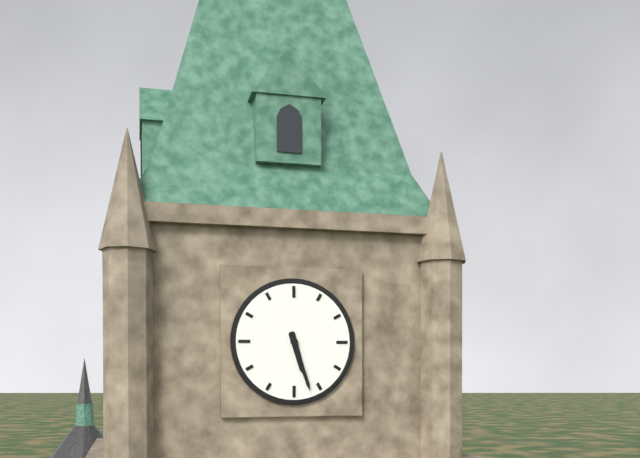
**5:27**
